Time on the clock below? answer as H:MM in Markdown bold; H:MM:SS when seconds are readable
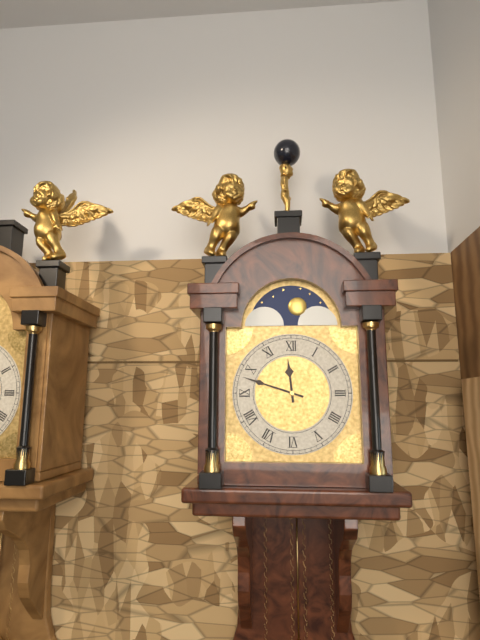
**11:48**
